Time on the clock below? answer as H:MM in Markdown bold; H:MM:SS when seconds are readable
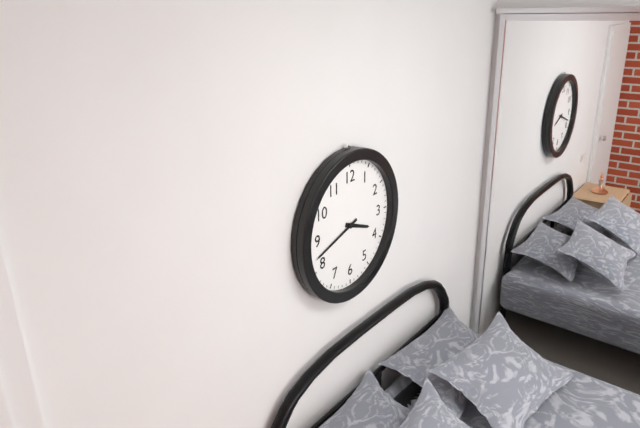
**3:42**
